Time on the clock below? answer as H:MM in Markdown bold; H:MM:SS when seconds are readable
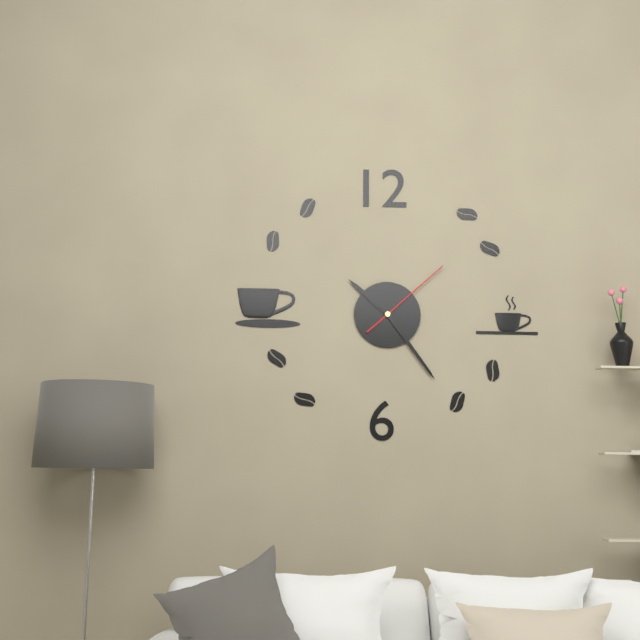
**10:24:08**
